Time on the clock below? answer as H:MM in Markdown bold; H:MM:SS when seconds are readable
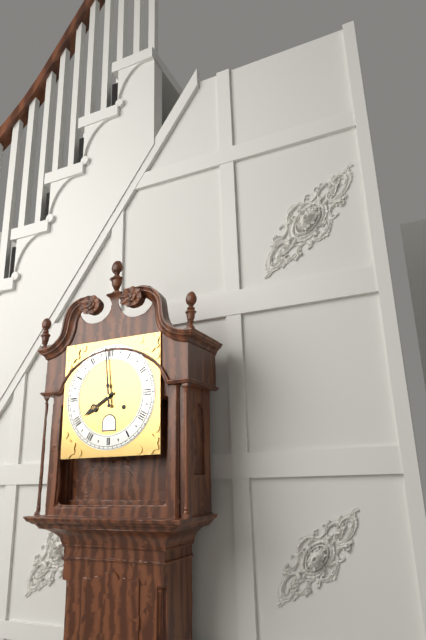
**7:59**
